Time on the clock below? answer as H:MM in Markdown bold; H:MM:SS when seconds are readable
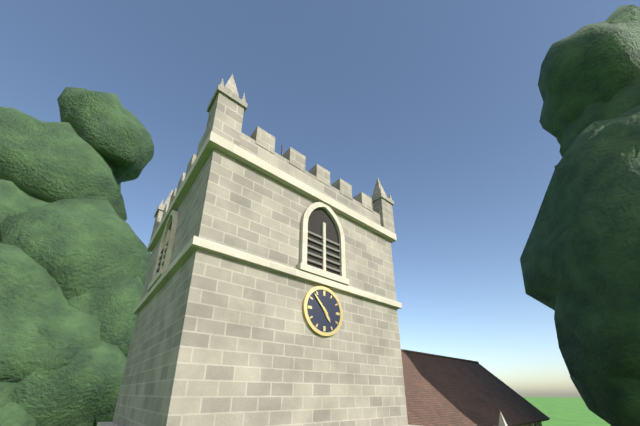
**4:53**
